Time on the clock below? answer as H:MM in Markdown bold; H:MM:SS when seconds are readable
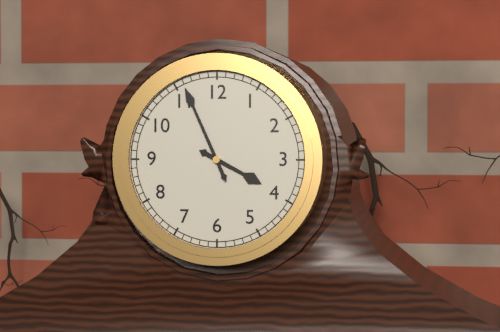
**3:56**
